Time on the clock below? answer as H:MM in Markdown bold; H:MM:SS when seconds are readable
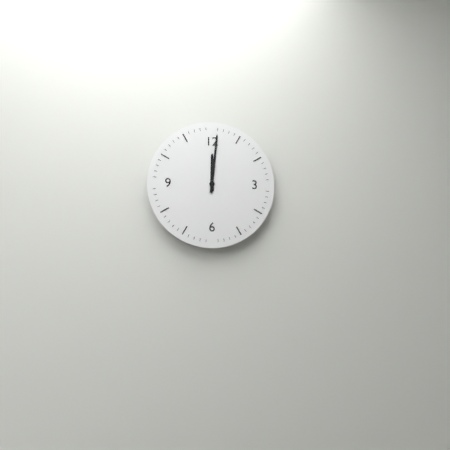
**12:01**
